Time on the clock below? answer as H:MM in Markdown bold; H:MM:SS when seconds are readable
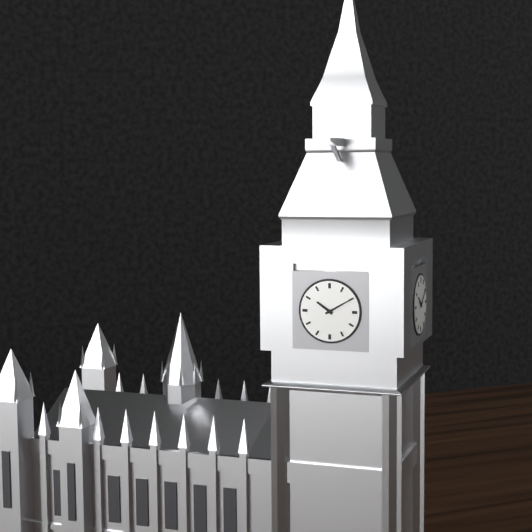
**10:10**
